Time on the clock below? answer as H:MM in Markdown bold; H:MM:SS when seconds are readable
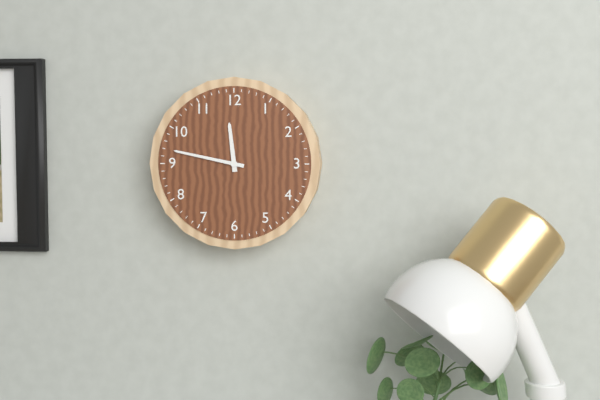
**11:47**
